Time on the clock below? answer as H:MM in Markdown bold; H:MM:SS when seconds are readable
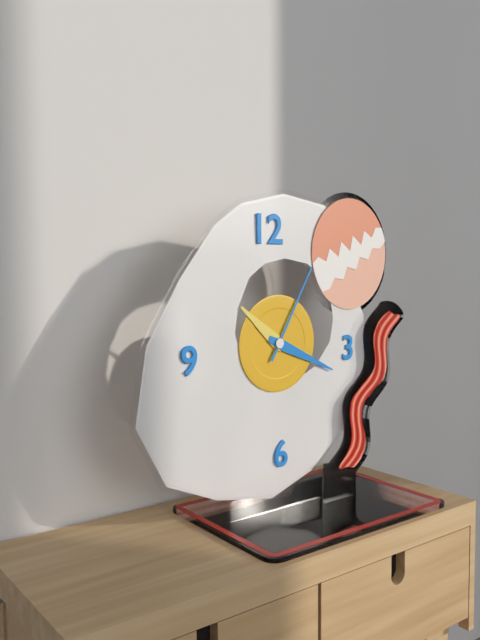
**10:19:05**
